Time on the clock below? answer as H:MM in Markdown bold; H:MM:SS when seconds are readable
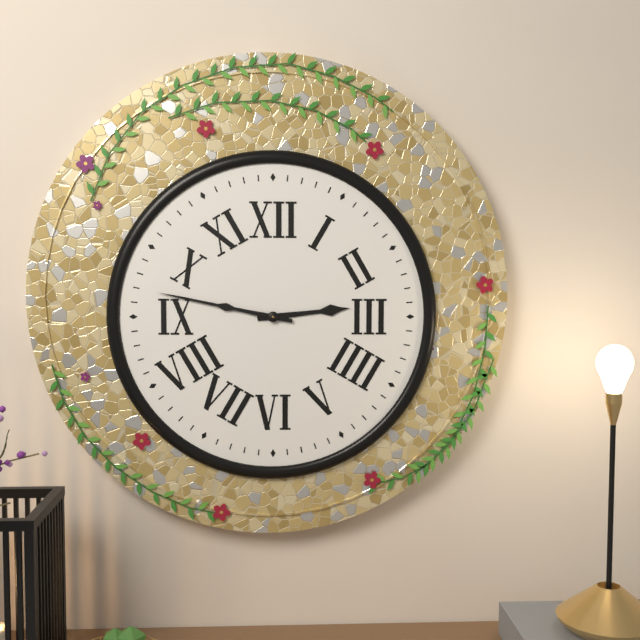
**2:47**
